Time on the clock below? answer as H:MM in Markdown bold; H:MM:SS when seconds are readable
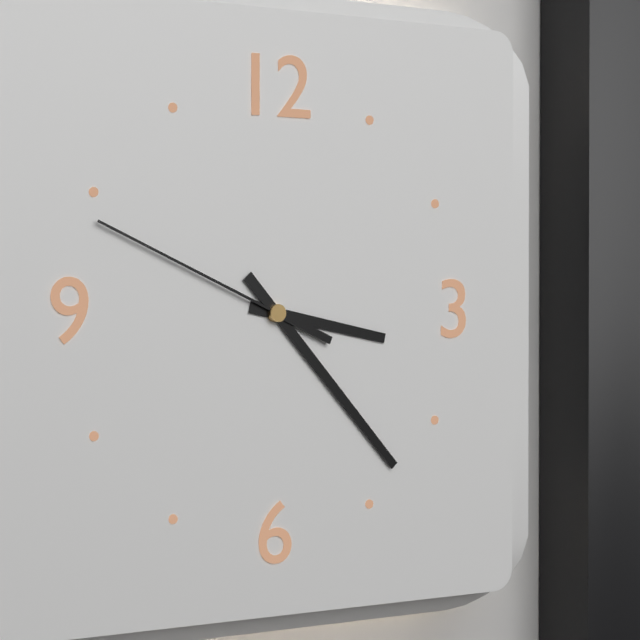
**3:23:49**
